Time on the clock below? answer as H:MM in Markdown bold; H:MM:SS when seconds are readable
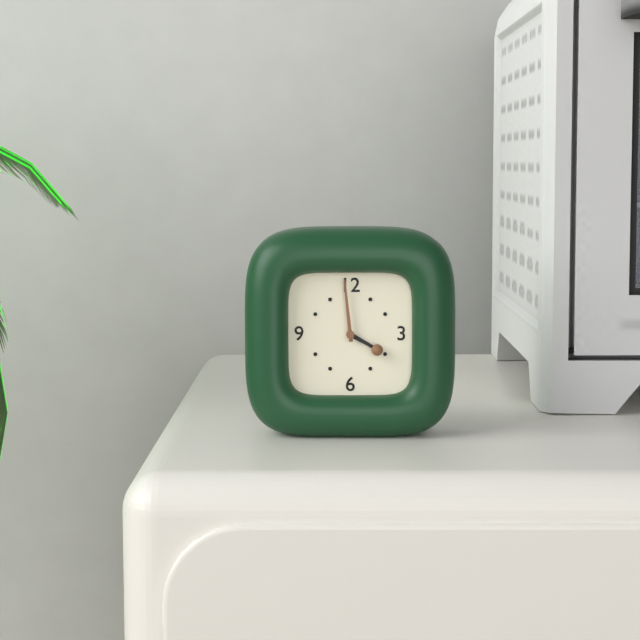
**3:59**
